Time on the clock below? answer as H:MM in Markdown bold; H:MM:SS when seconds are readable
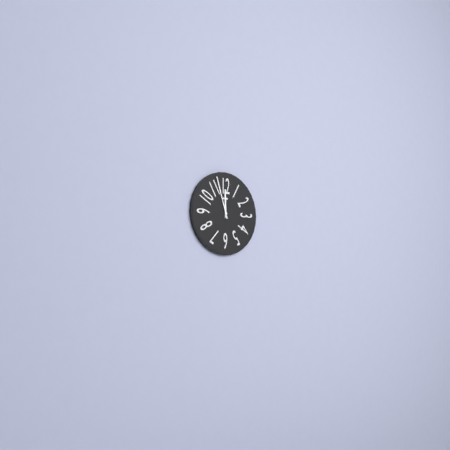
**11:57**
